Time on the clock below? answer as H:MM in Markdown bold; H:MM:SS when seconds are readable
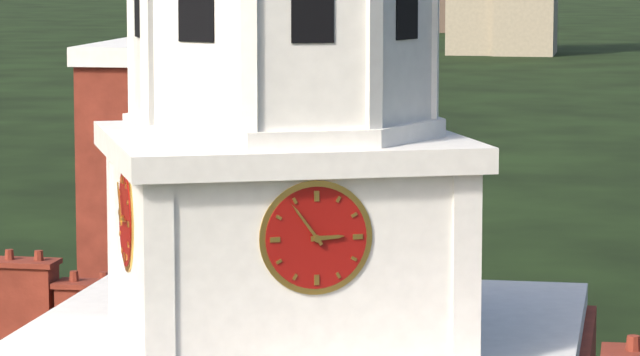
**2:54**
